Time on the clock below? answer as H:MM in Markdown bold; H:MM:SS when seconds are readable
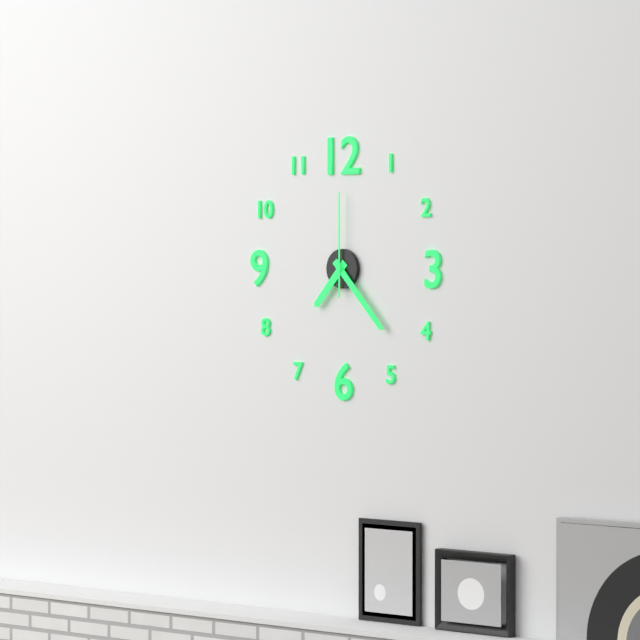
**7:23:00**
